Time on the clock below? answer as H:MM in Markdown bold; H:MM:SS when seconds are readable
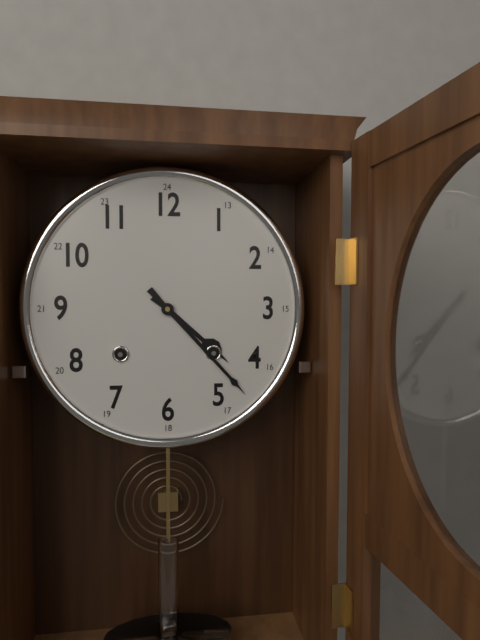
**4:23**
